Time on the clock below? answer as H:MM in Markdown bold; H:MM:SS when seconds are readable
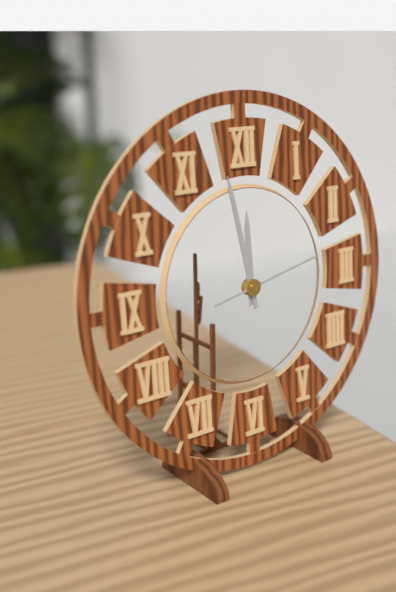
**11:58:13**
